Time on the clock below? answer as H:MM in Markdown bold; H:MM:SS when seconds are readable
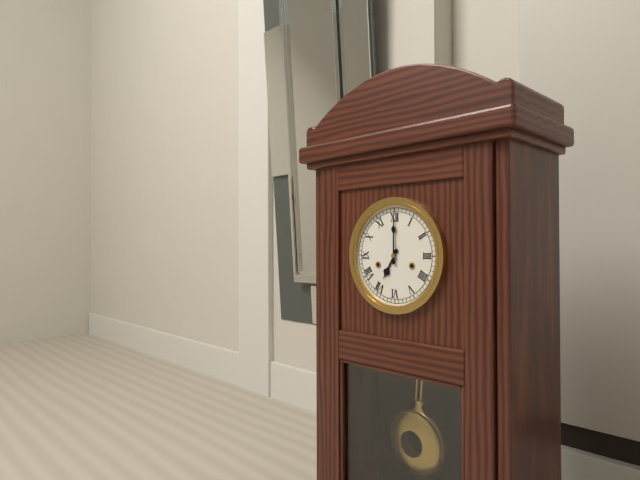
**7:00**
